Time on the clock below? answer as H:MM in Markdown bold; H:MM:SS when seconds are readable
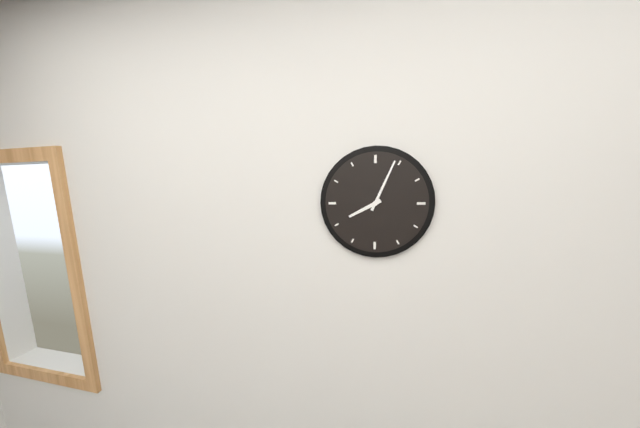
**8:04**
